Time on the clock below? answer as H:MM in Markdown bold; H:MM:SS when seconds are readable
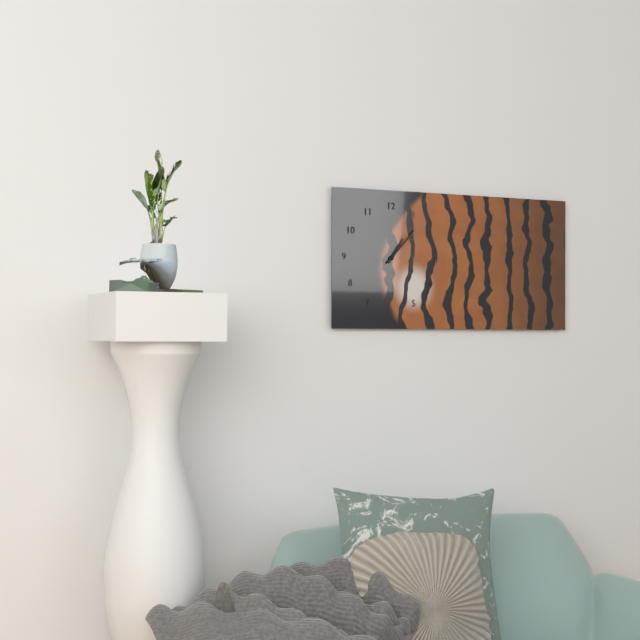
**1:07**
